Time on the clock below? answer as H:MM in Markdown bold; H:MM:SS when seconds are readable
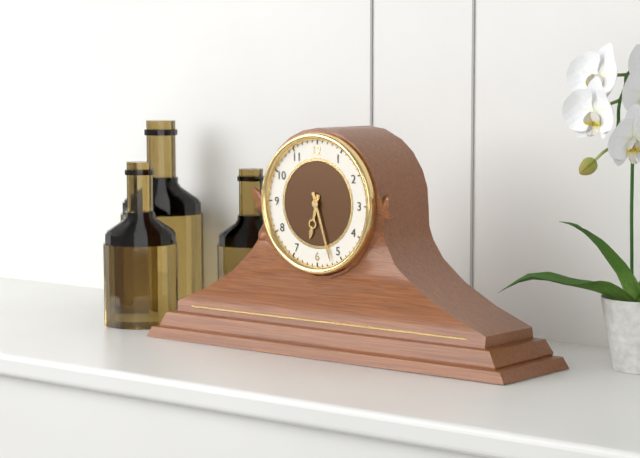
**6:27**
